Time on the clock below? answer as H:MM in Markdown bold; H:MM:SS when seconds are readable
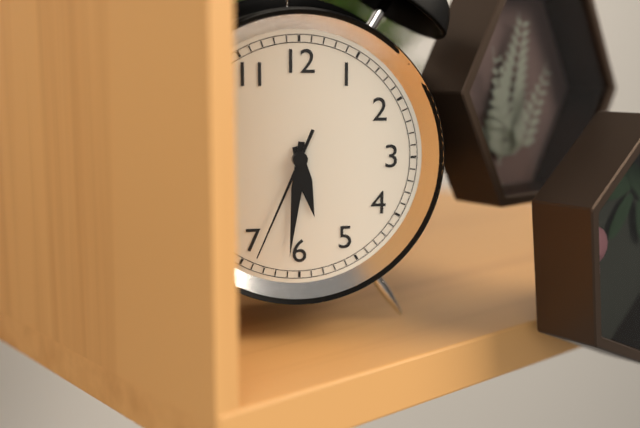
**5:31:34**
